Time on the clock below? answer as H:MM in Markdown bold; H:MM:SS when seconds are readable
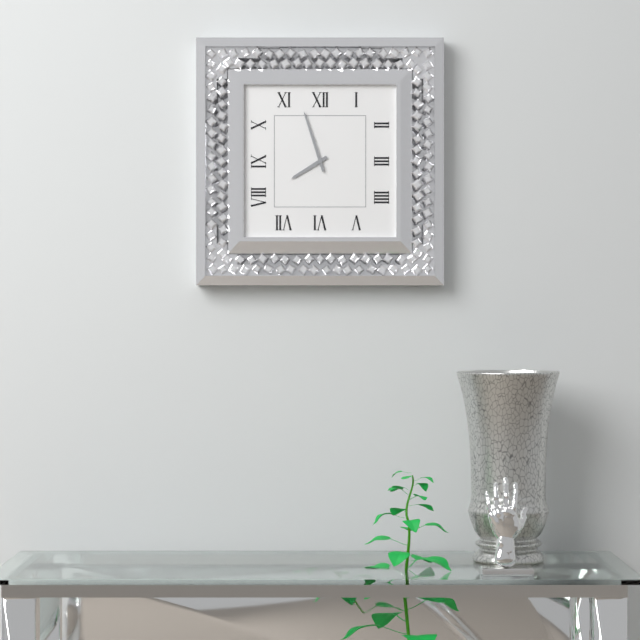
**7:57**
